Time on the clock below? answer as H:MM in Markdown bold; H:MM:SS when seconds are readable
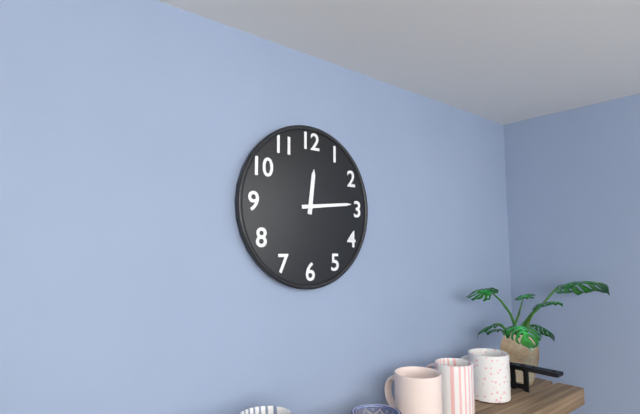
**12:14**
